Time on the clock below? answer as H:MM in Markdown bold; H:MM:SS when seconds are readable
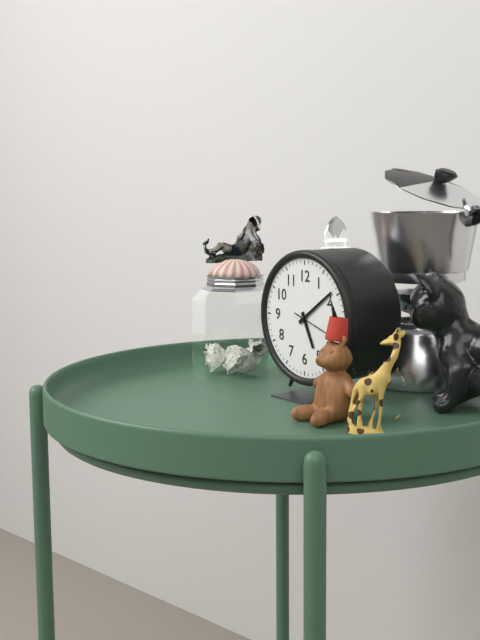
**5:09**
